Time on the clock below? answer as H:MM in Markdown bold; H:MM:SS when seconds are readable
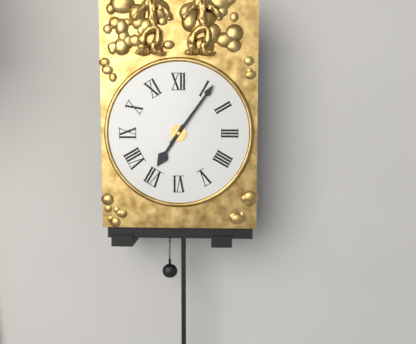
**7:06**
